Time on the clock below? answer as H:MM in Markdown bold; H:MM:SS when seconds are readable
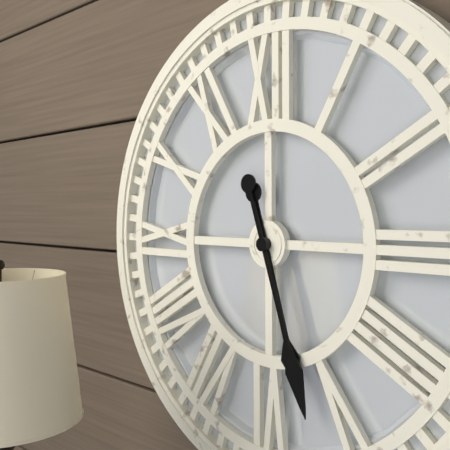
**5:27**
